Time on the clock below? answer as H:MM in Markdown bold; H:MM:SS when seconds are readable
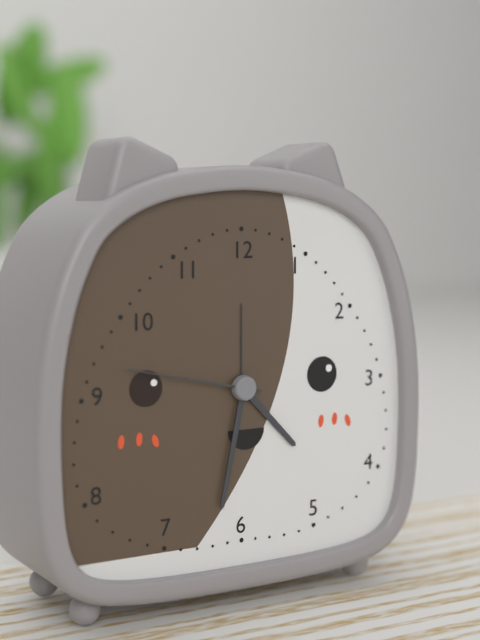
**4:32:47**
